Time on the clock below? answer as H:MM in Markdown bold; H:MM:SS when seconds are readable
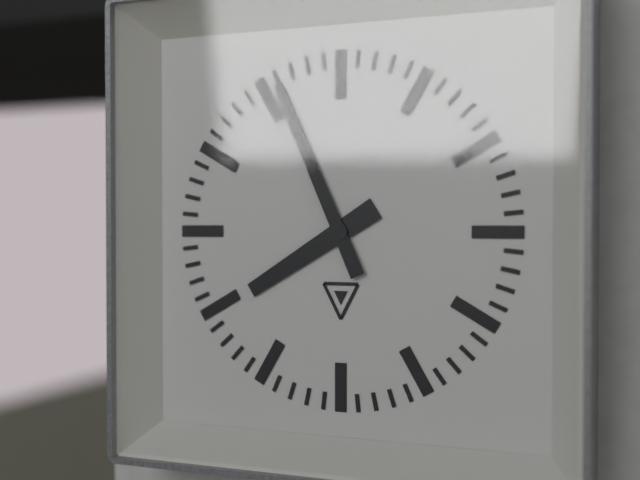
**7:56**
